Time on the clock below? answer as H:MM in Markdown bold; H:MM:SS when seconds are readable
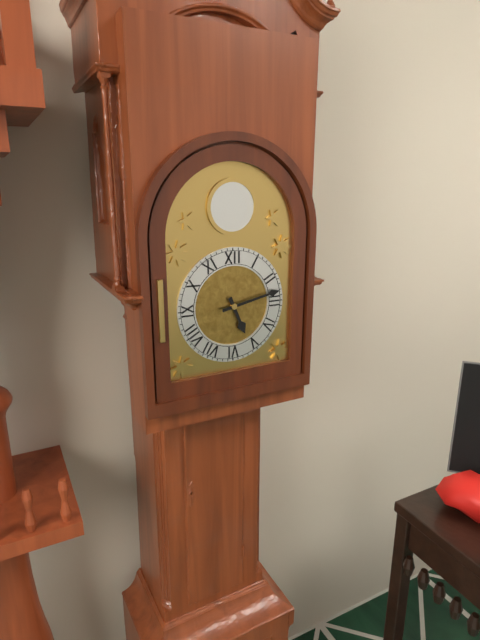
**5:13**
